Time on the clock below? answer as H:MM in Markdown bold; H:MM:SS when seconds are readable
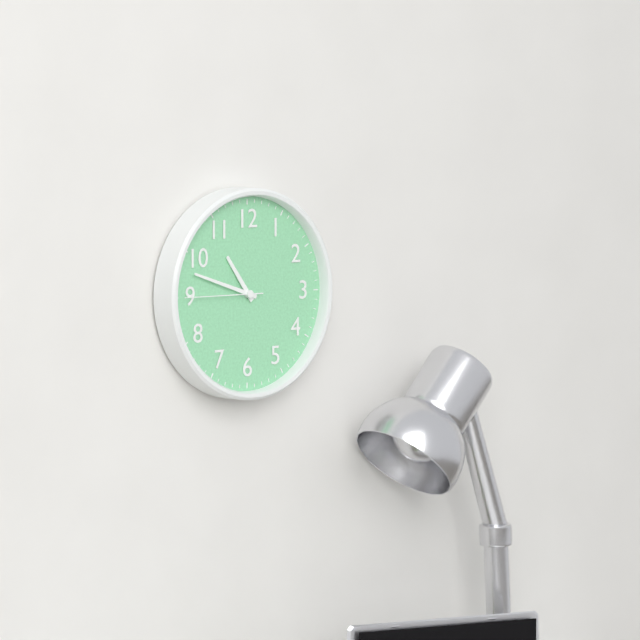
**10:48:45**
